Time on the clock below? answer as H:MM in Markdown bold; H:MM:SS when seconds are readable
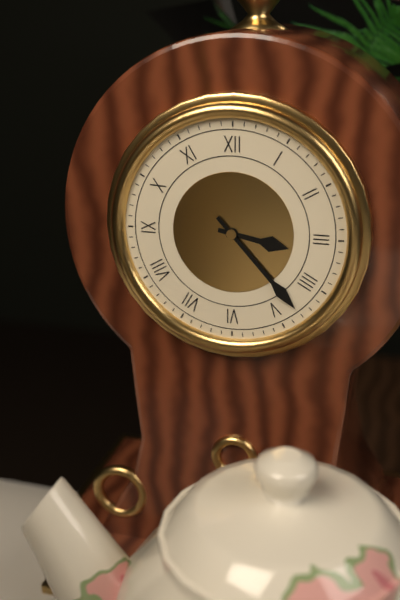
**3:23**
